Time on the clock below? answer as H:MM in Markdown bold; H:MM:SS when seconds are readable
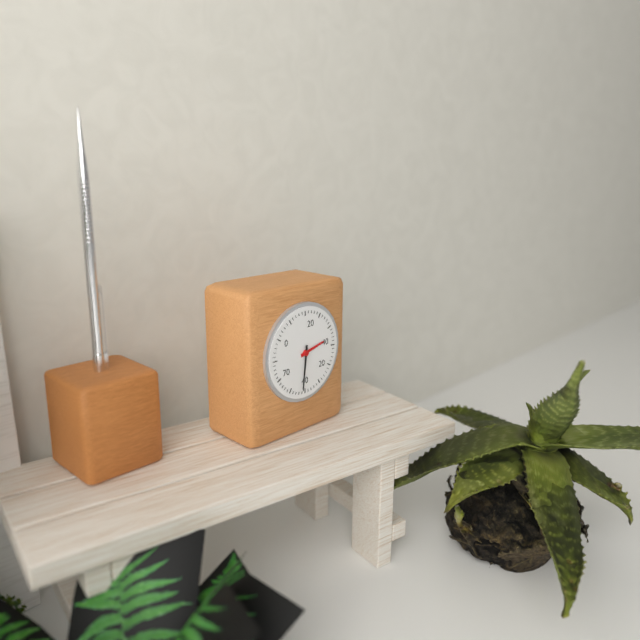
**2:31**
